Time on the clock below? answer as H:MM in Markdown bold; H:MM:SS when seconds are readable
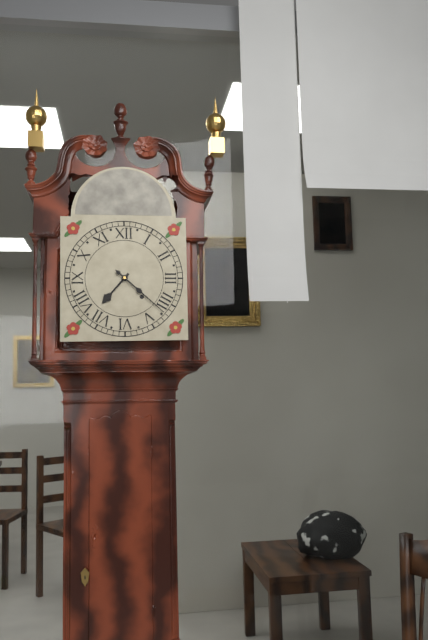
**7:22**
